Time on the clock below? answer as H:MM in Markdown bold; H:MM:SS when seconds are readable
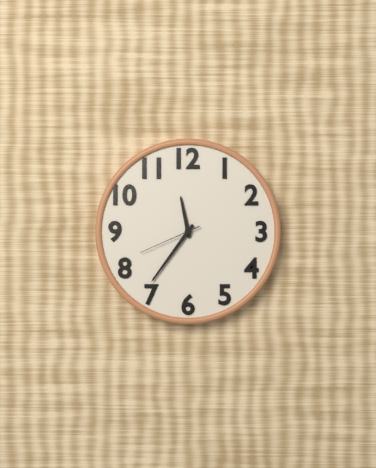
**11:36:41**
